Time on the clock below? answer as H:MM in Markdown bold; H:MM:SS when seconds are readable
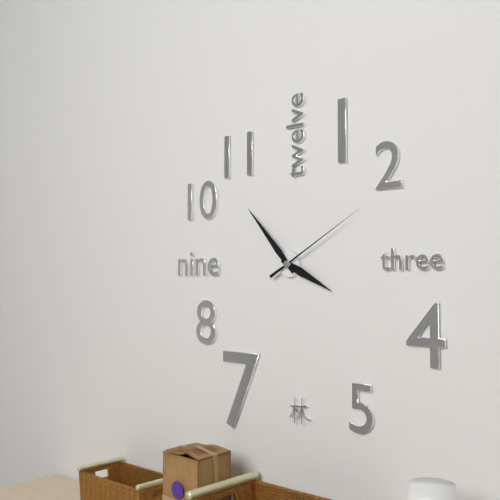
**3:53:10**
